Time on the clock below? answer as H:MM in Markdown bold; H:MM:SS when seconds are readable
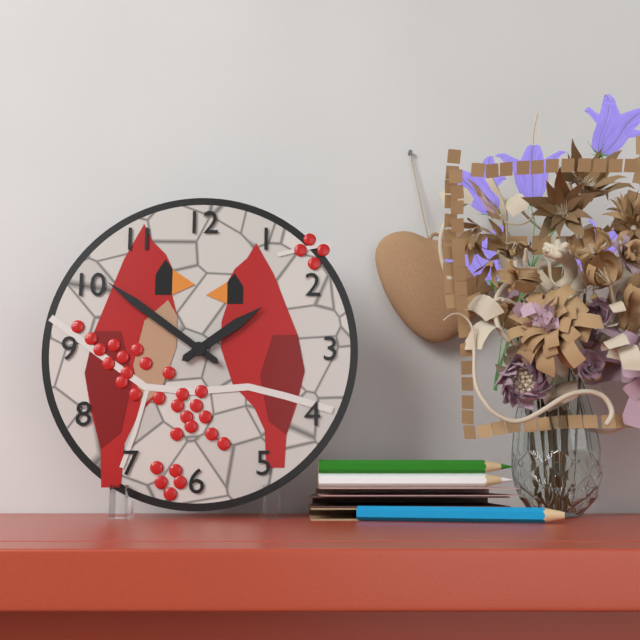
**1:51**
